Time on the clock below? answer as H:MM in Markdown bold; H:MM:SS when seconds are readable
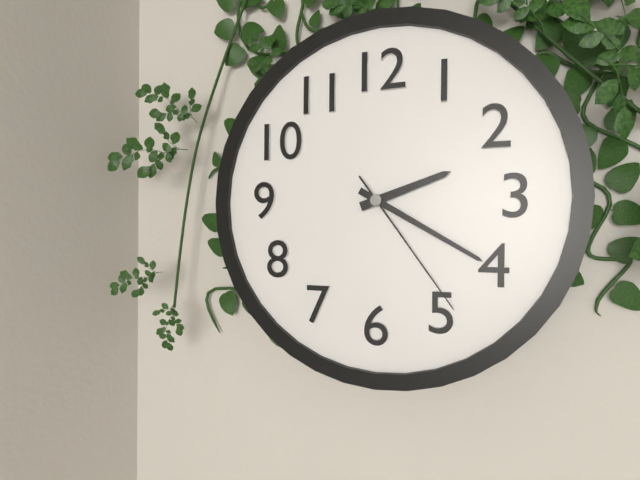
**2:20:24**
